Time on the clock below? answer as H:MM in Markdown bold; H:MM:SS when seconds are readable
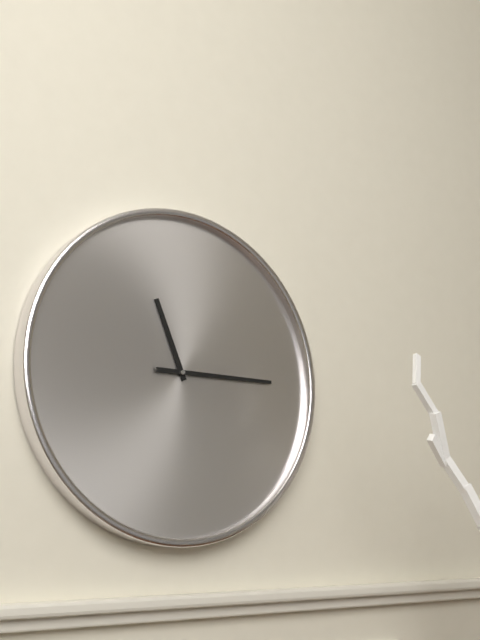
**11:15**
